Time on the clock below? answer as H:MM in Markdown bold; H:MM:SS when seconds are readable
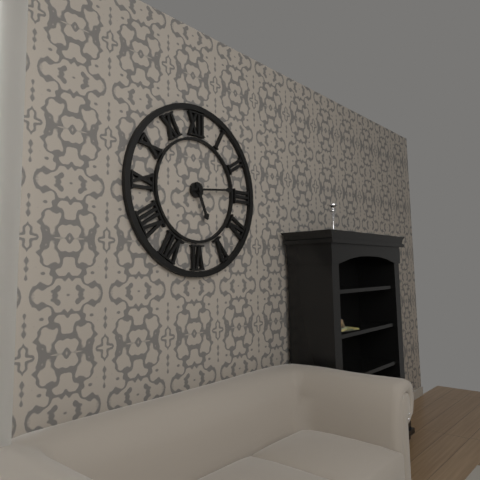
**5:14**
